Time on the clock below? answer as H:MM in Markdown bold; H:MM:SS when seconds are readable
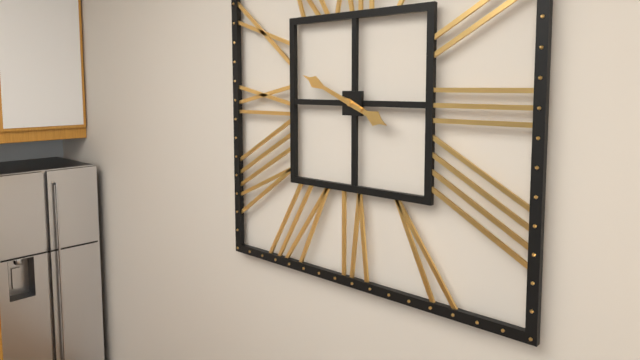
**3:49**
